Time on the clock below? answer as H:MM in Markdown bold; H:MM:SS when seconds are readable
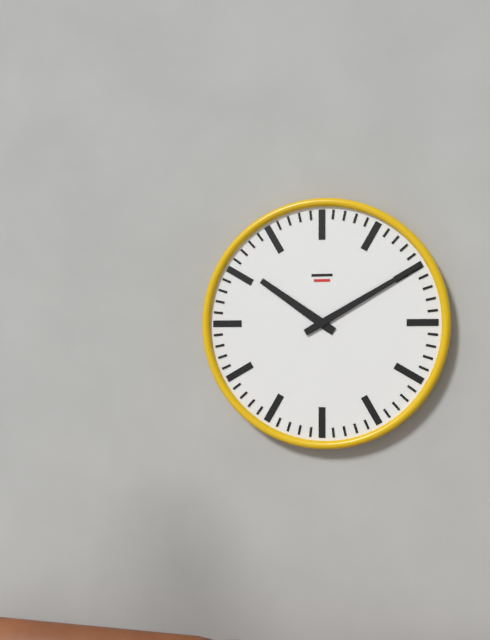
**10:10**
